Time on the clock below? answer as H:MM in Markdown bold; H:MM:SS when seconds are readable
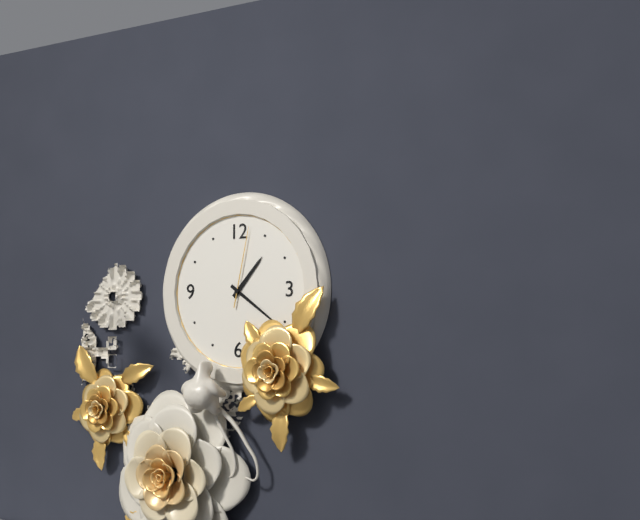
**1:21:02**
